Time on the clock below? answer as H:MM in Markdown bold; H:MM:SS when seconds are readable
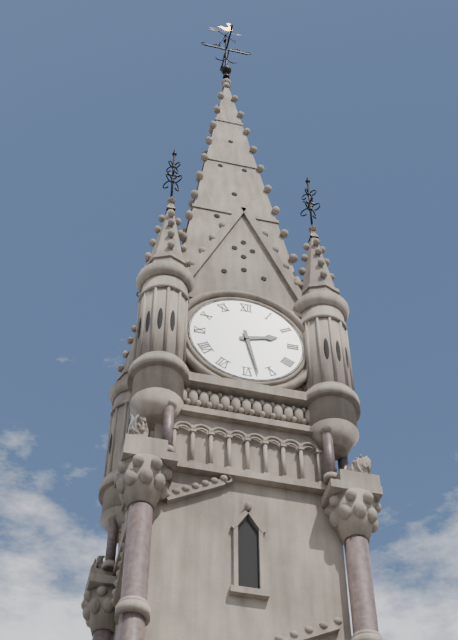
**2:28**
